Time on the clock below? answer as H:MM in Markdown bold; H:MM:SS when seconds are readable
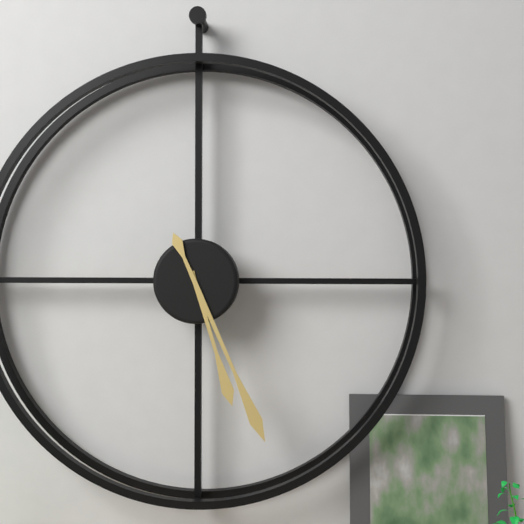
**5:26**
